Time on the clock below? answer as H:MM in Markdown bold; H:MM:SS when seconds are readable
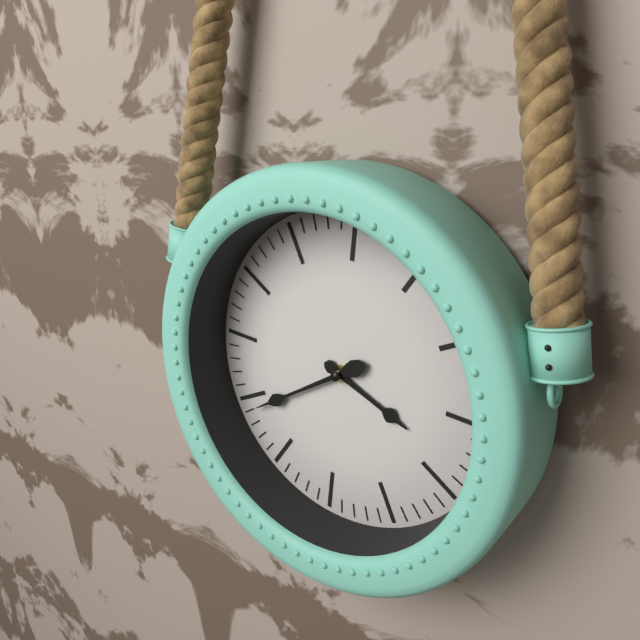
**3:39**
